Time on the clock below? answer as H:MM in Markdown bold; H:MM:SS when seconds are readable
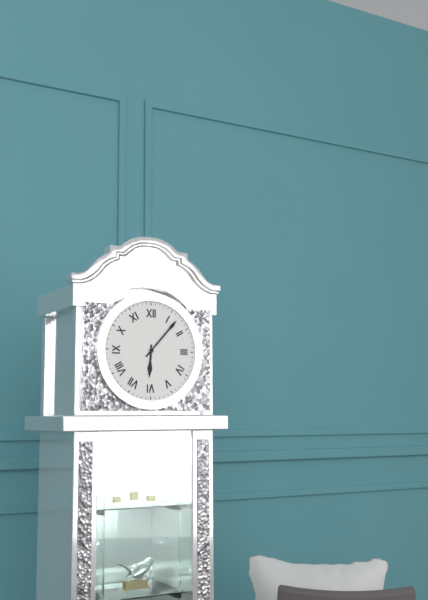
**6:07**
